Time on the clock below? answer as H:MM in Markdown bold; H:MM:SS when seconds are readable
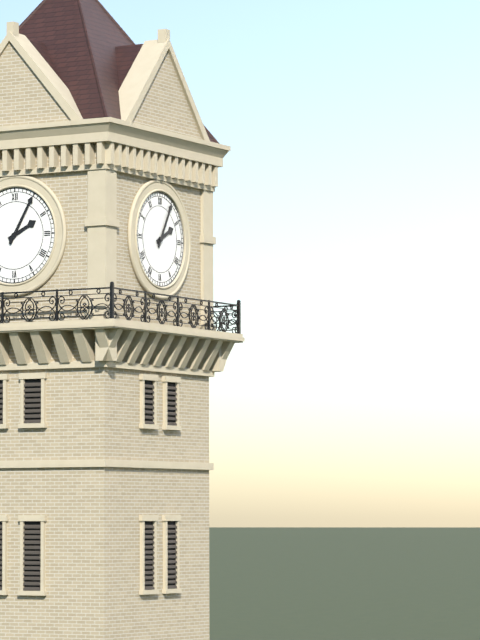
**2:05**
